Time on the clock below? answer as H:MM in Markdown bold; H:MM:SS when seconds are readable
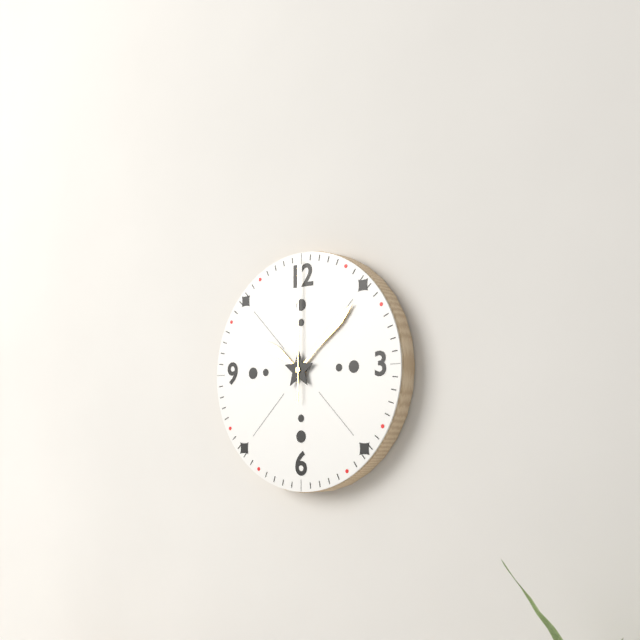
**10:08:00**
